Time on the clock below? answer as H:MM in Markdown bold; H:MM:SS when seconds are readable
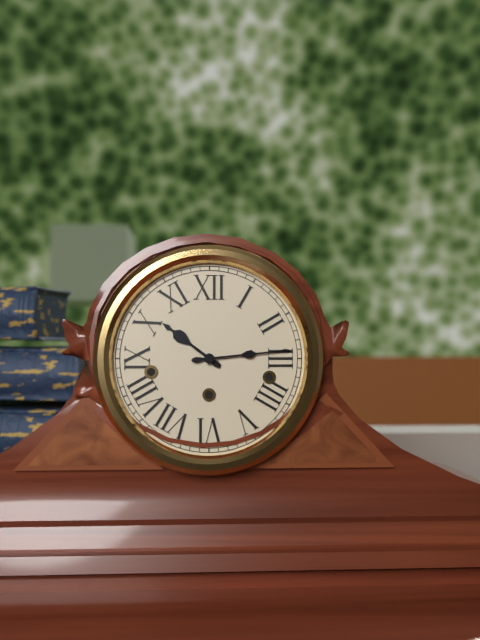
**10:14**
